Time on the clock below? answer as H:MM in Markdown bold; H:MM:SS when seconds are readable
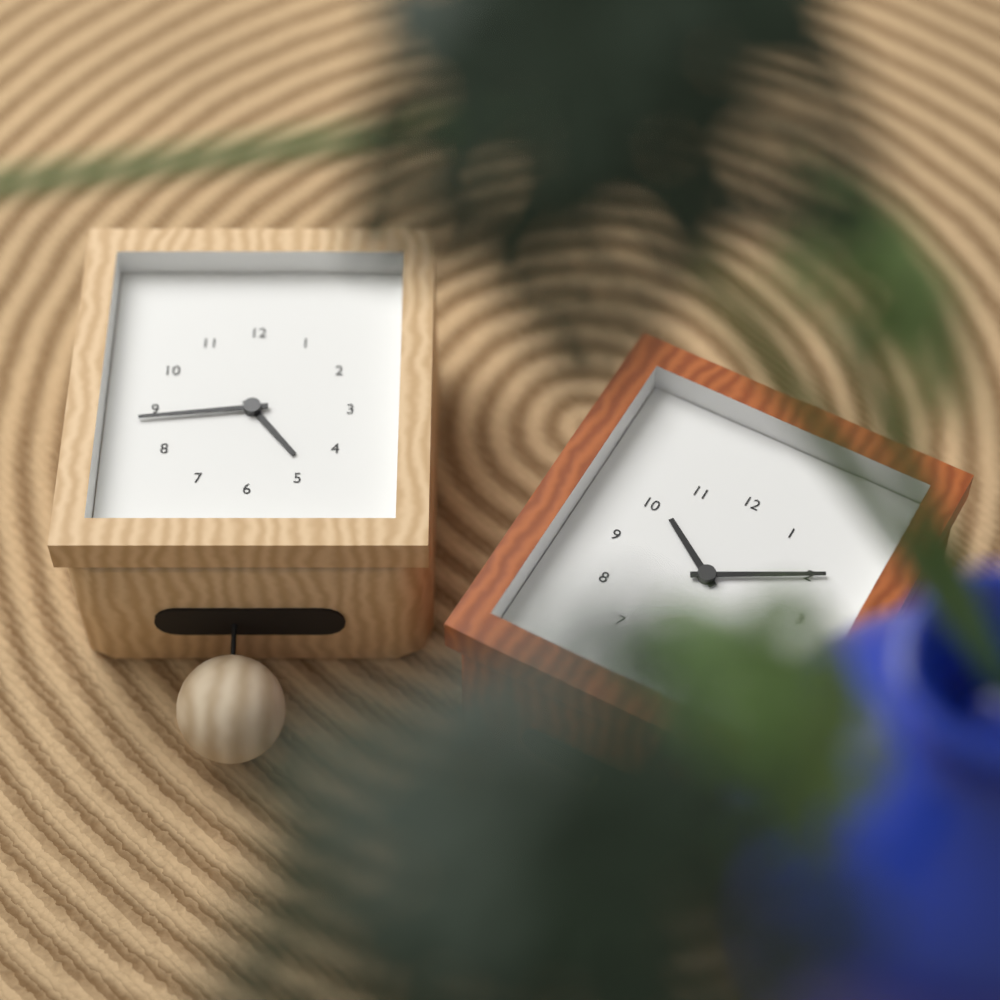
**4:44**
